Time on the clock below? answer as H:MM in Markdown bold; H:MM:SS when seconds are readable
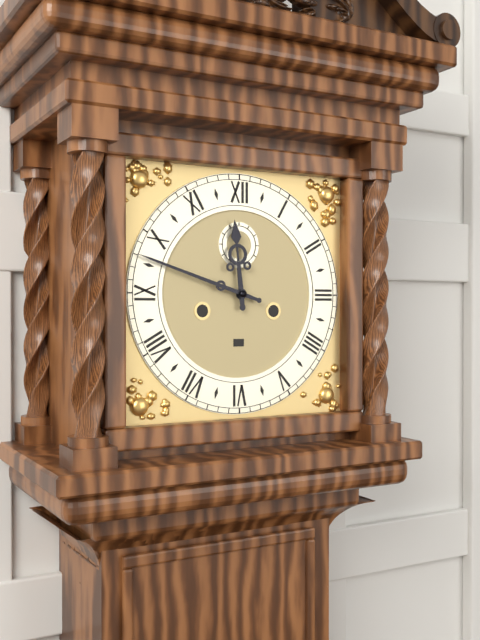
**11:48**
